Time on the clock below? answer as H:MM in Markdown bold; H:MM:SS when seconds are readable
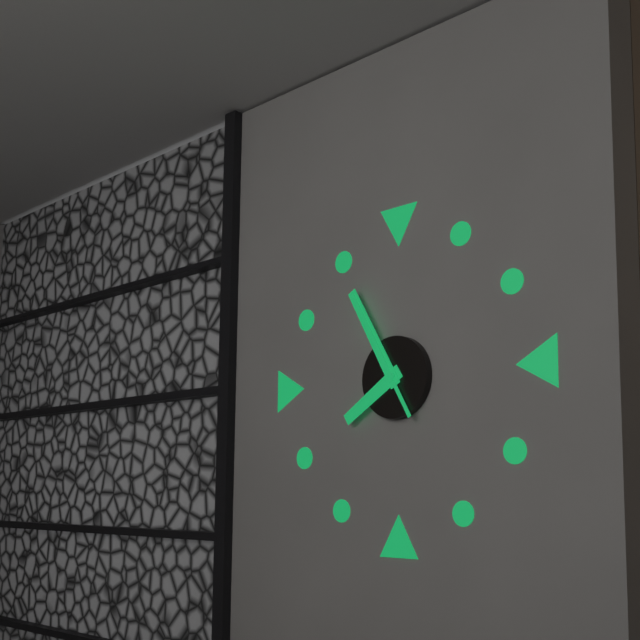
**7:55:55**
